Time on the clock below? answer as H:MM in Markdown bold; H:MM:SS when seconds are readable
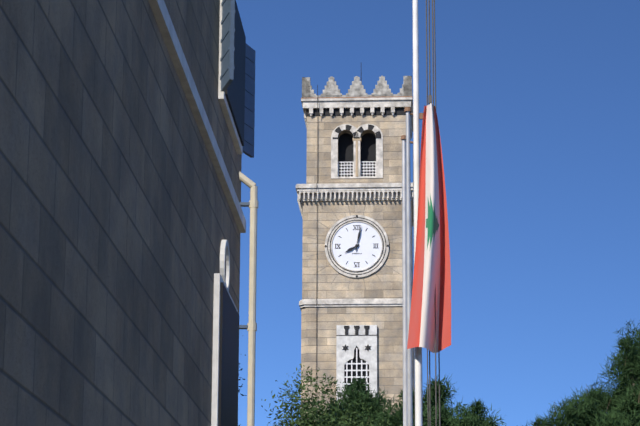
**8:02**
